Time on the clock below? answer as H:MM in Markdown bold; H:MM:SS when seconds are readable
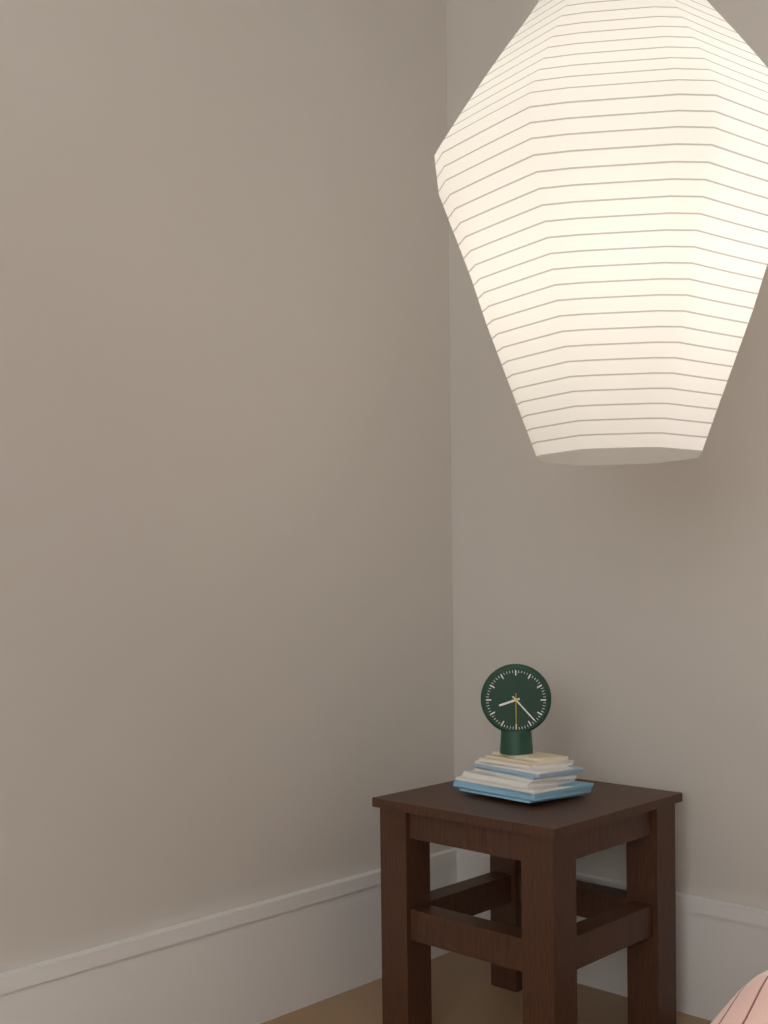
**8:23**
